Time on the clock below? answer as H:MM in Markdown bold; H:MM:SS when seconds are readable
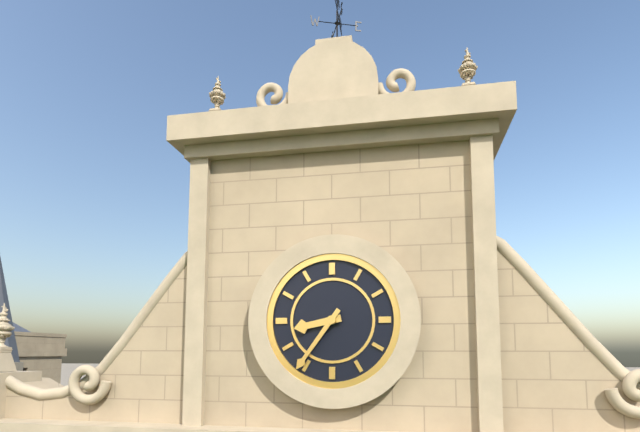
**8:36**
